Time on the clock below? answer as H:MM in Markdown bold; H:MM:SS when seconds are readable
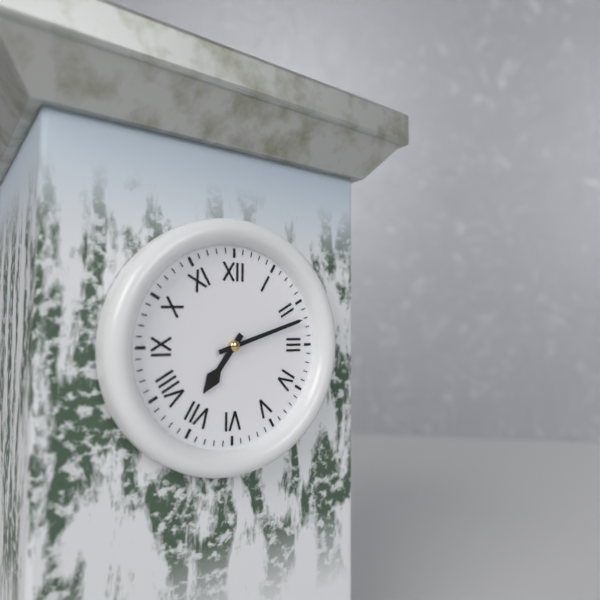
**7:12**
